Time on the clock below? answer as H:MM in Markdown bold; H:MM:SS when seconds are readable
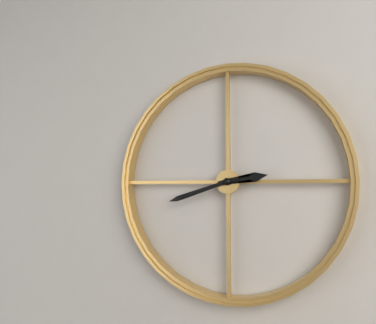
**2:42**
